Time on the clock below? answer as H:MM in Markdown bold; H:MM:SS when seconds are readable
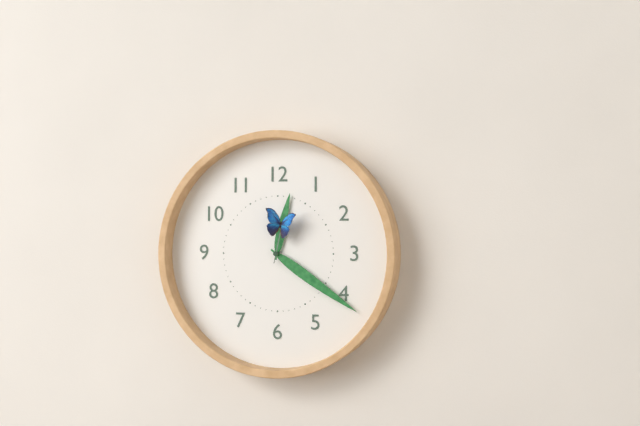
**12:21:02**
